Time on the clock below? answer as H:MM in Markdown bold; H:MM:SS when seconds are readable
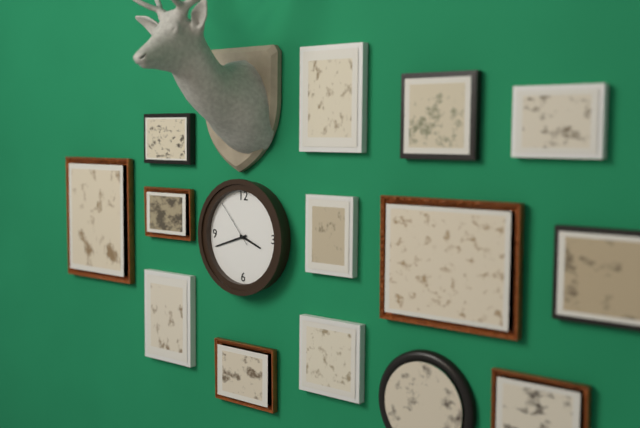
**3:42:53**
